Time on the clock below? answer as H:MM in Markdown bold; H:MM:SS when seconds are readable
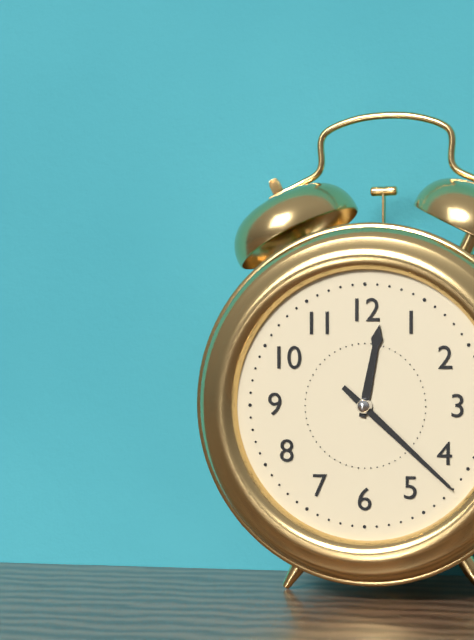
**12:22**
